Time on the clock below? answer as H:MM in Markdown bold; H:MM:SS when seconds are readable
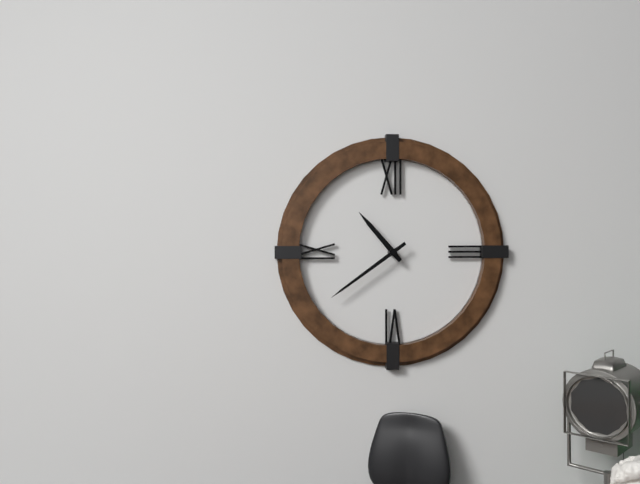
**10:39**
